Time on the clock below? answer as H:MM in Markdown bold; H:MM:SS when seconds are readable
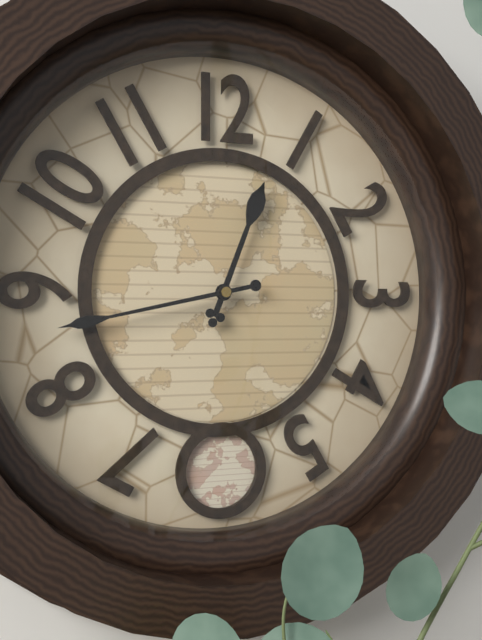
**12:43**
